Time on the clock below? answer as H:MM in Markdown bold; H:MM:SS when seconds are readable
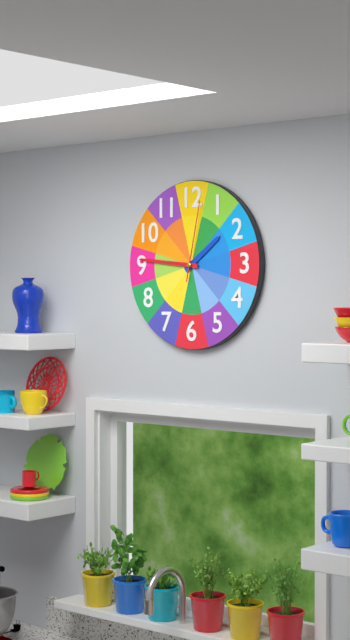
**1:46:02**
